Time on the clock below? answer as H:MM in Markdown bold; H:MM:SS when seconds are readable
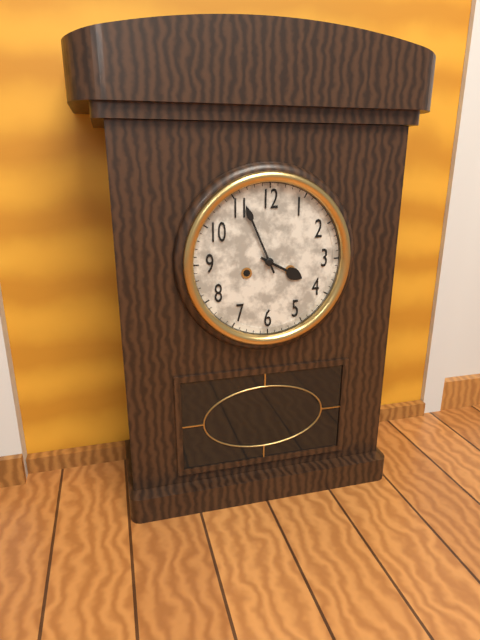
**3:56**
